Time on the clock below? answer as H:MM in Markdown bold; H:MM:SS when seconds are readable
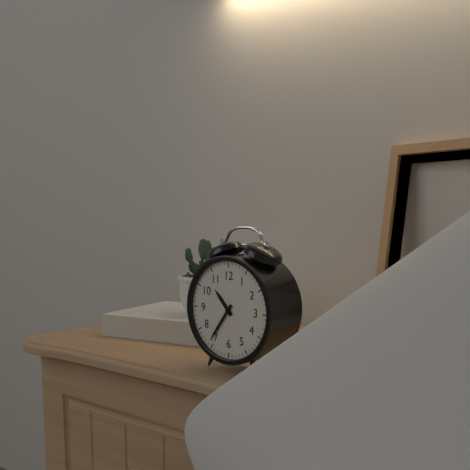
**10:36**
